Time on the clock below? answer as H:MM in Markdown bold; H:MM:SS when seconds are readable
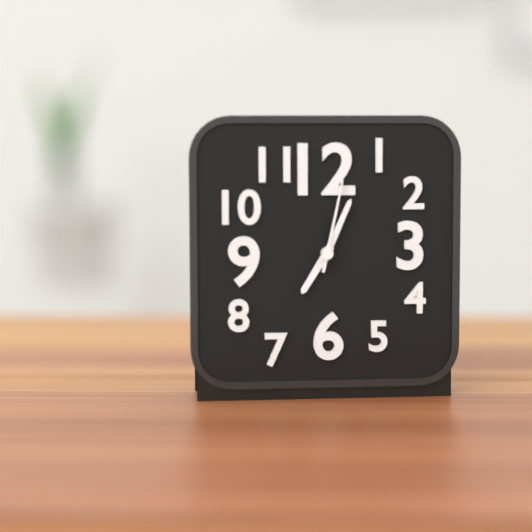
**7:04:02**
